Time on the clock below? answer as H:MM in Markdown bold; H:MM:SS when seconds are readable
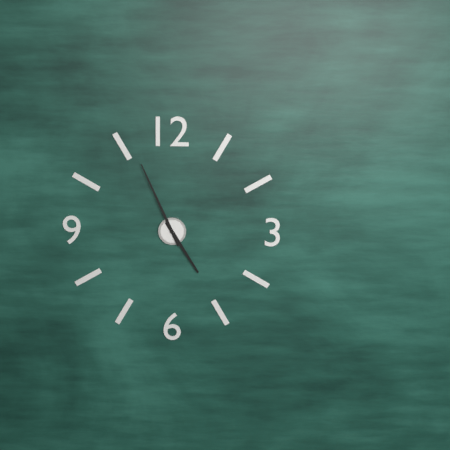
**4:56**
